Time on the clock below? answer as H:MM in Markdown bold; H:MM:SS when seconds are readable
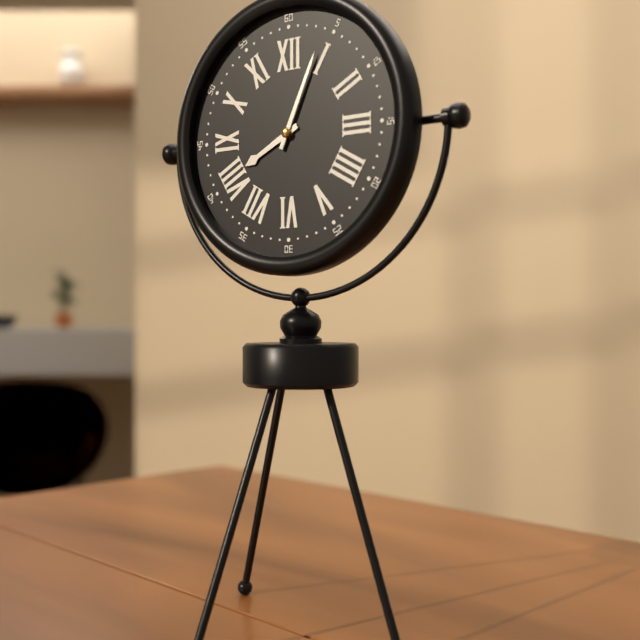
**8:04**
